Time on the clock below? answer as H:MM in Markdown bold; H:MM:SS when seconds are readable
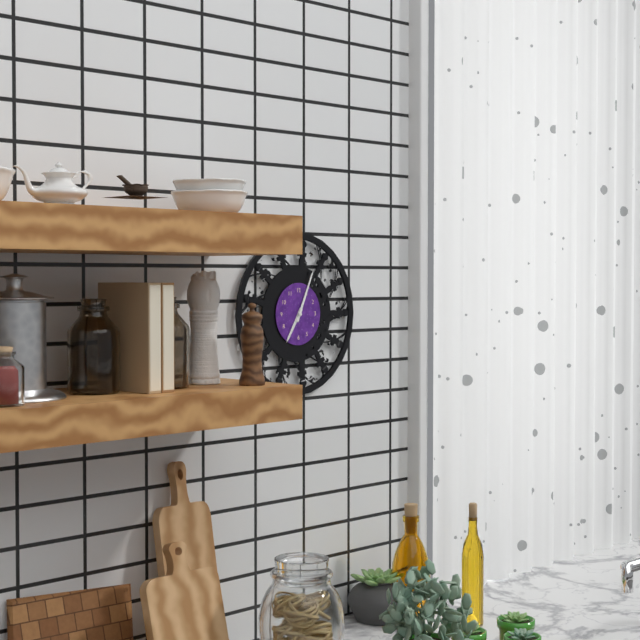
**7:04**
